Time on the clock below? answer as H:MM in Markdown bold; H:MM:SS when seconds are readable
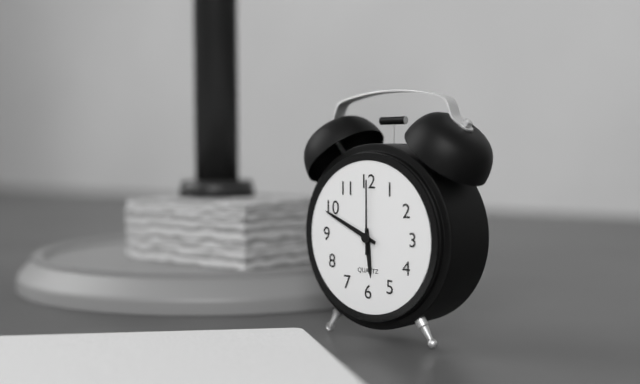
**5:49:00**
